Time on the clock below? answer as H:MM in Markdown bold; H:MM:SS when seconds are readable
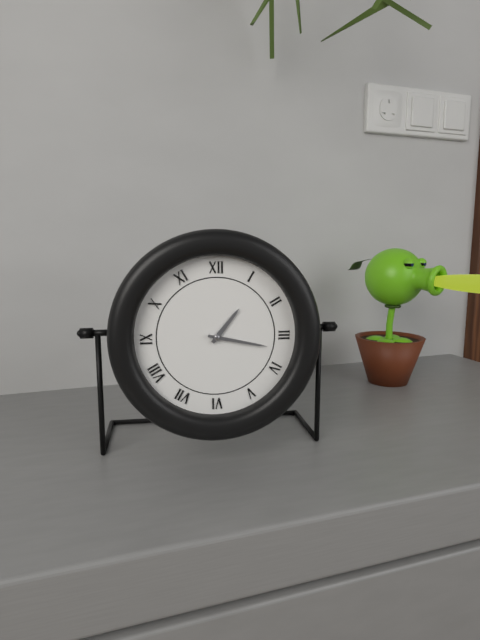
**1:17**
